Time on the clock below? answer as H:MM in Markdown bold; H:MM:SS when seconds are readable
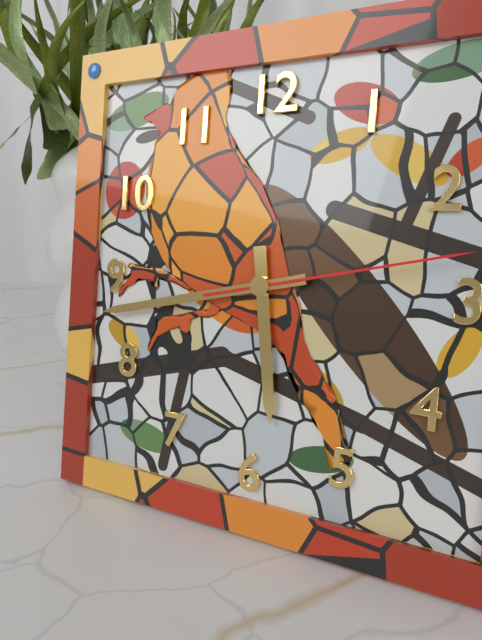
**5:43:13**
